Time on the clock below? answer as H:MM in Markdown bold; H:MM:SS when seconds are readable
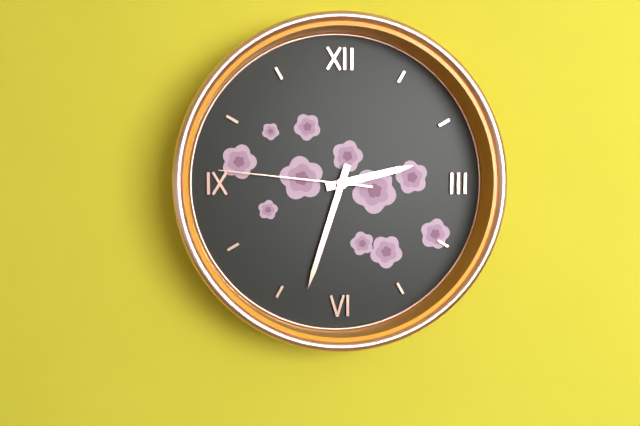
**2:33:46**
